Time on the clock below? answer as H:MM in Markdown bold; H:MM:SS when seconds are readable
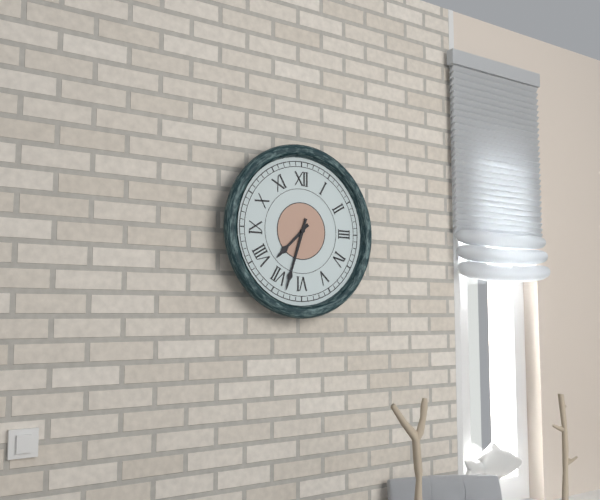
**7:33**
